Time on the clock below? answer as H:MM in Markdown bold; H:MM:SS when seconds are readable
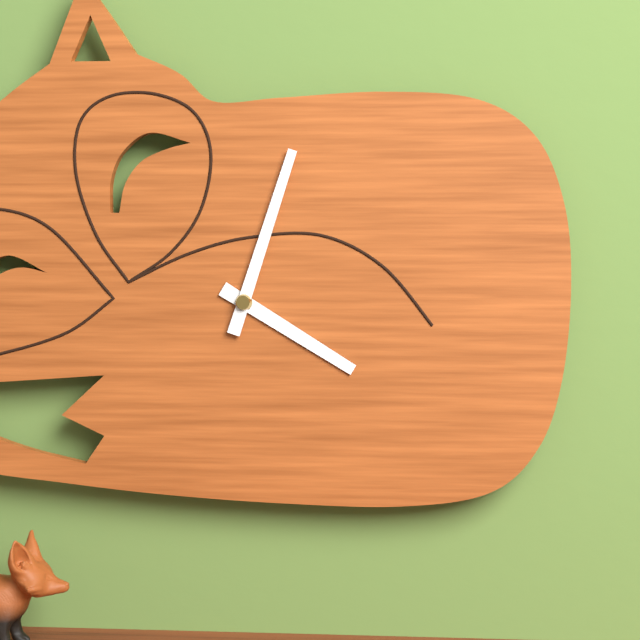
**4:03**
